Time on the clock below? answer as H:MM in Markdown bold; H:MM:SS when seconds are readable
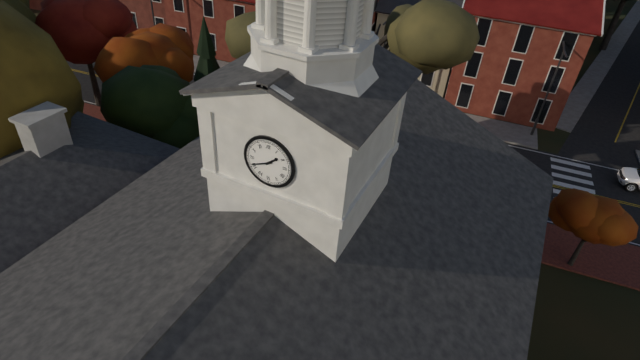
**1:41**
